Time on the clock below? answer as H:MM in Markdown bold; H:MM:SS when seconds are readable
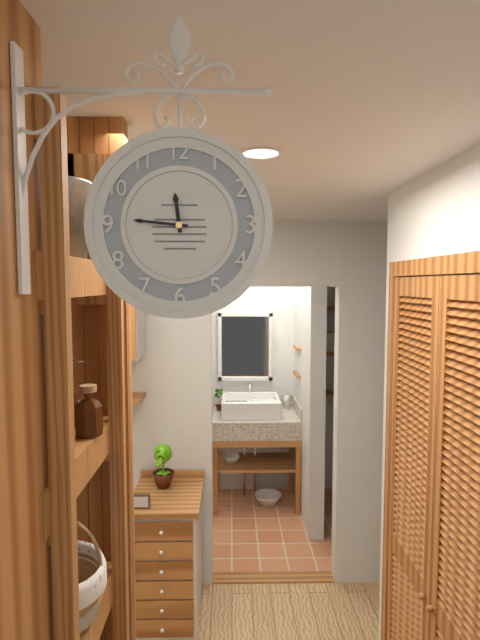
**11:46**
